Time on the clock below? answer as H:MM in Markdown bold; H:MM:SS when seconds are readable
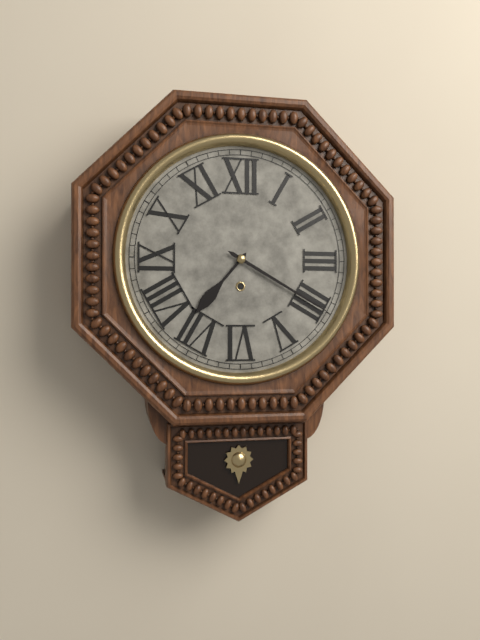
**7:20**
